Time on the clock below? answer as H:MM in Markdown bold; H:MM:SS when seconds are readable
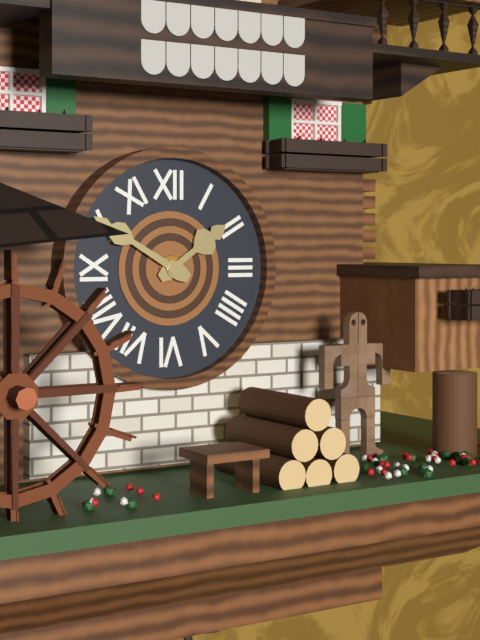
**1:50**
